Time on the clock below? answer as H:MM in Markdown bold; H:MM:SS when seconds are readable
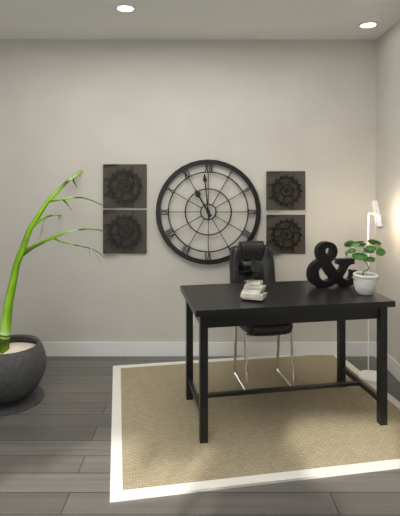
**10:59**
